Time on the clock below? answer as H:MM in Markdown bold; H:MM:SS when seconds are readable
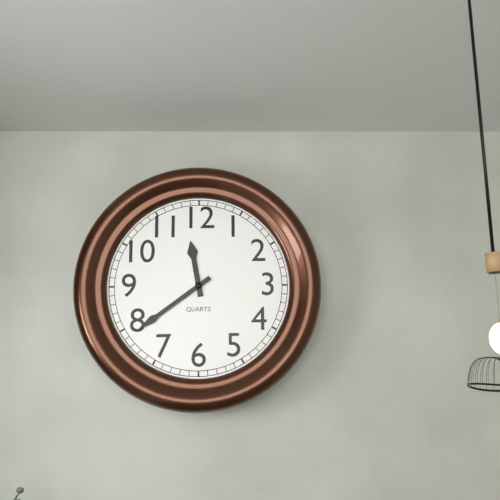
**11:39**
